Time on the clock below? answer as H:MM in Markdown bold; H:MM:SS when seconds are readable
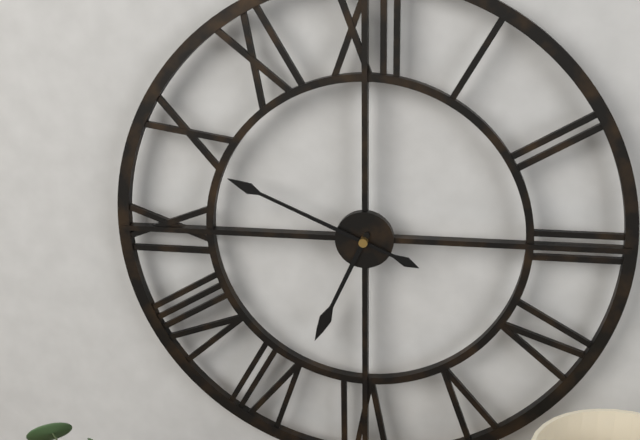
**6:49**
